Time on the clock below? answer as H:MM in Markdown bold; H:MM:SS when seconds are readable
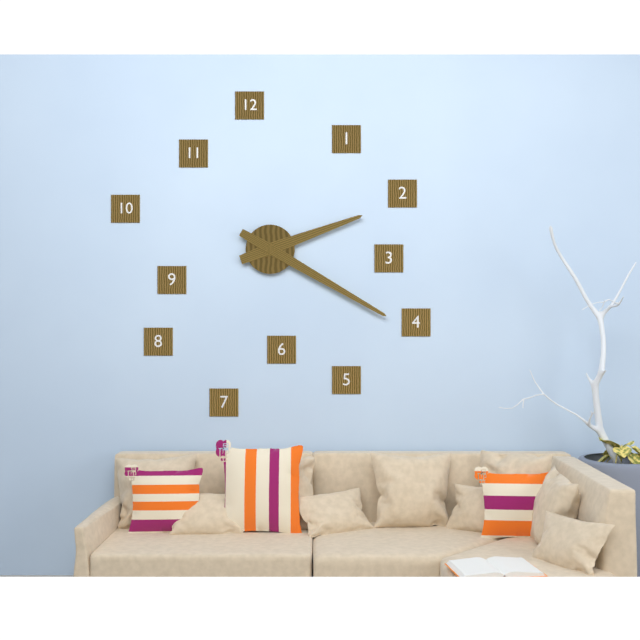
**2:20**
